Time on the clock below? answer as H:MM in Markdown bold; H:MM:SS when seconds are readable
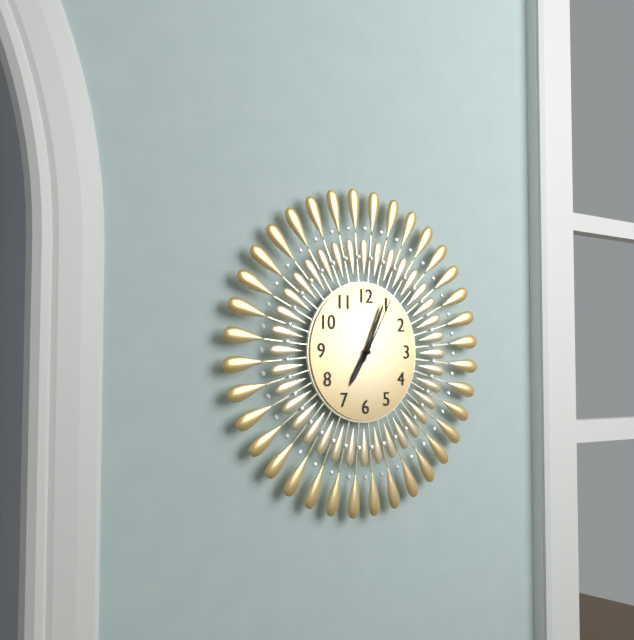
**7:04:05**
